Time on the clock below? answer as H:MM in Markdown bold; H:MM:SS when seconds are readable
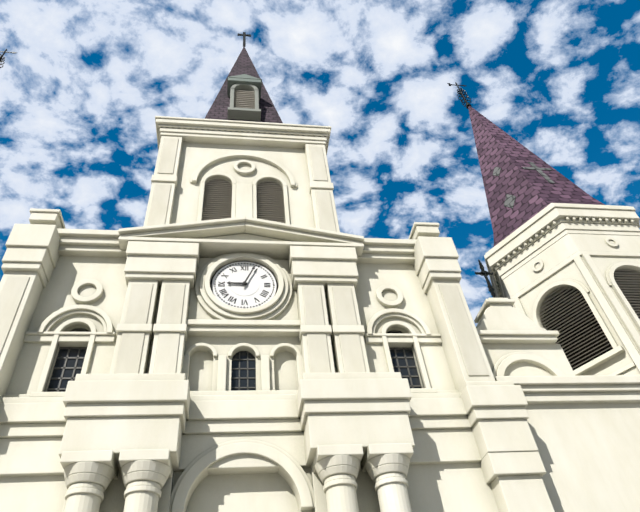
**9:04**
